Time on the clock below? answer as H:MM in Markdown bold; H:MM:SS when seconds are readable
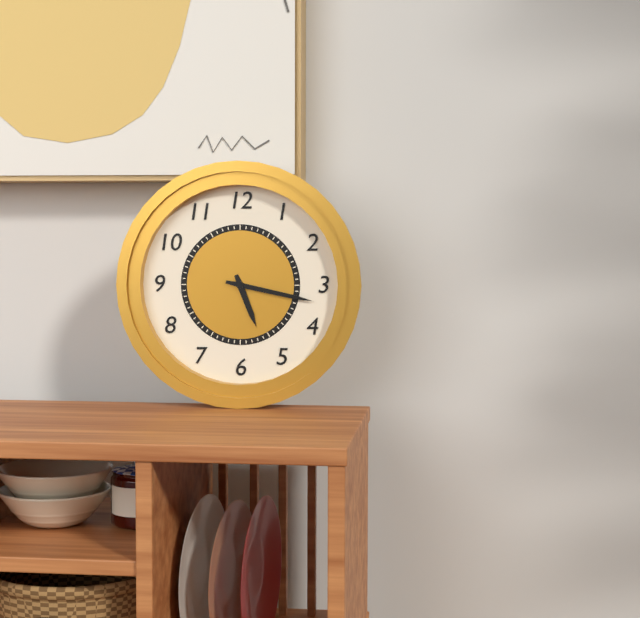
**5:17**
